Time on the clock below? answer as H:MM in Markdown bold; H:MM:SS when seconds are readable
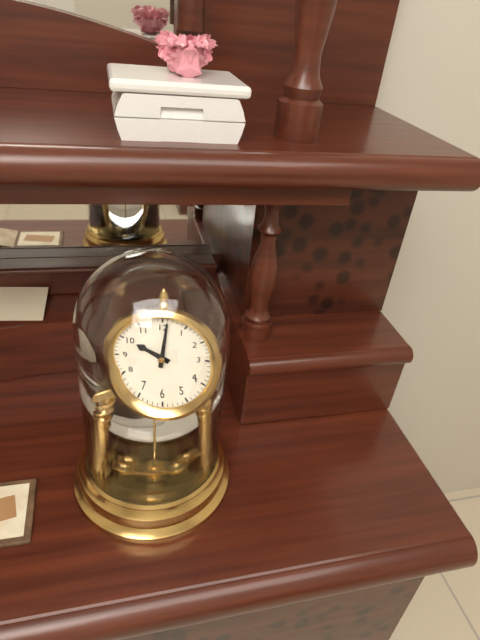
**10:01**
